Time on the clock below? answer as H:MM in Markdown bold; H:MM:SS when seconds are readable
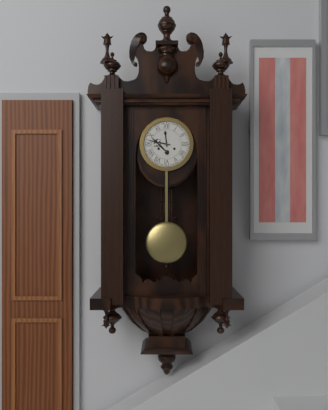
**11:47**
